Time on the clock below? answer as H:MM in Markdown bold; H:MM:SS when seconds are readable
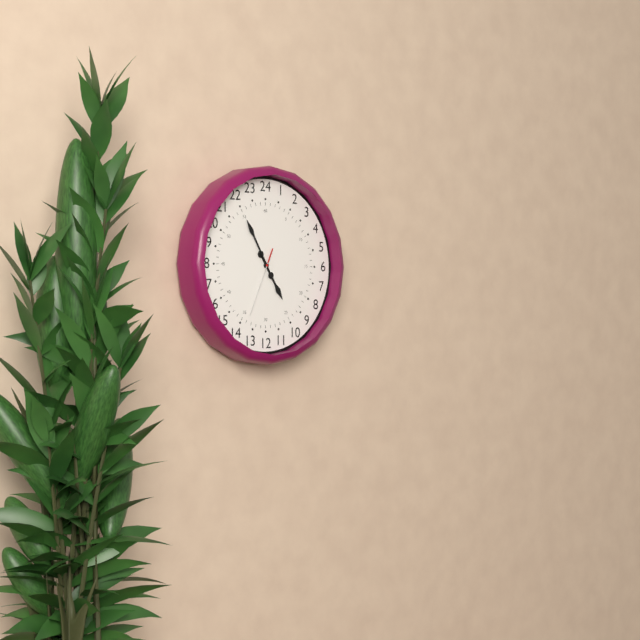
**4:55:34**
